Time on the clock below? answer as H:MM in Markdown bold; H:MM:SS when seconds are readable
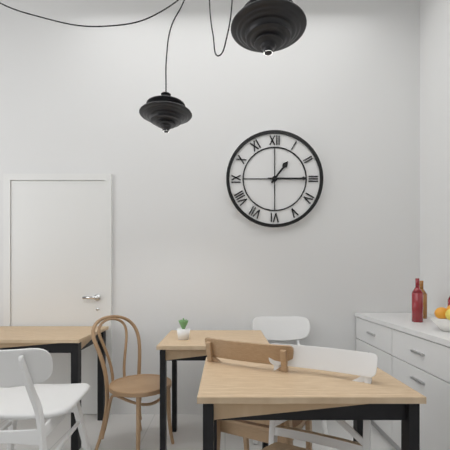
**1:15**
